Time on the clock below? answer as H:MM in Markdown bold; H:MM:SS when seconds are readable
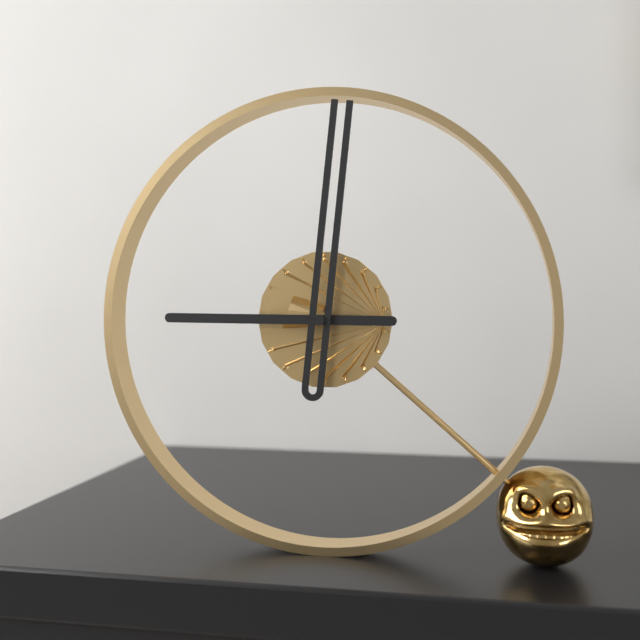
**9:01**
